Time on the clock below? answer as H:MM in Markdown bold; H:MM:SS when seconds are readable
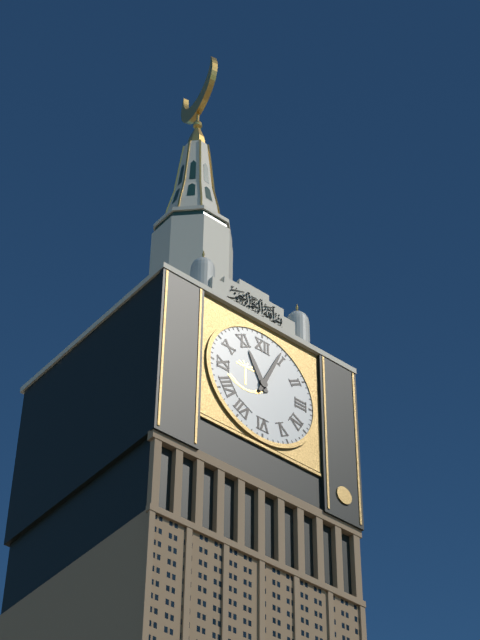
**11:04**
